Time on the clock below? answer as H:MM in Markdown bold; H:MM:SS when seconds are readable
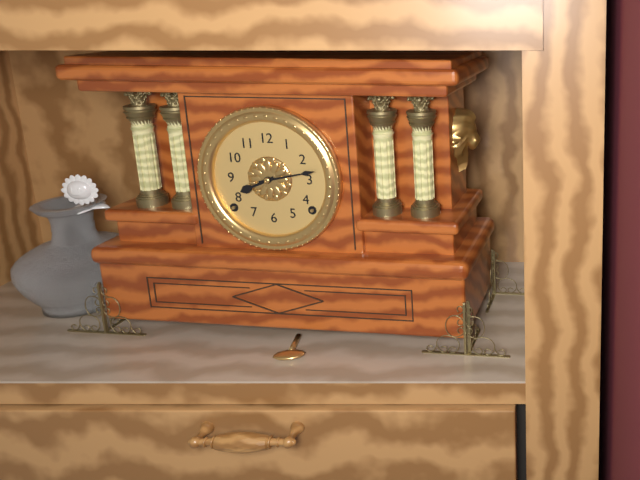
**8:13**
